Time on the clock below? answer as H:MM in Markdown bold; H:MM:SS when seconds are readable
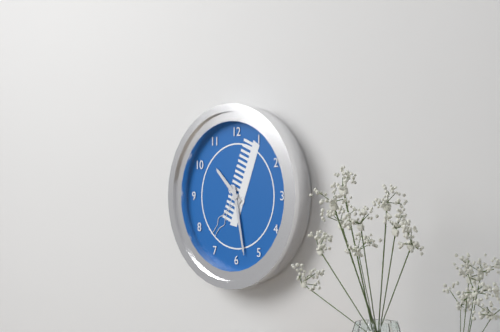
**10:28**
